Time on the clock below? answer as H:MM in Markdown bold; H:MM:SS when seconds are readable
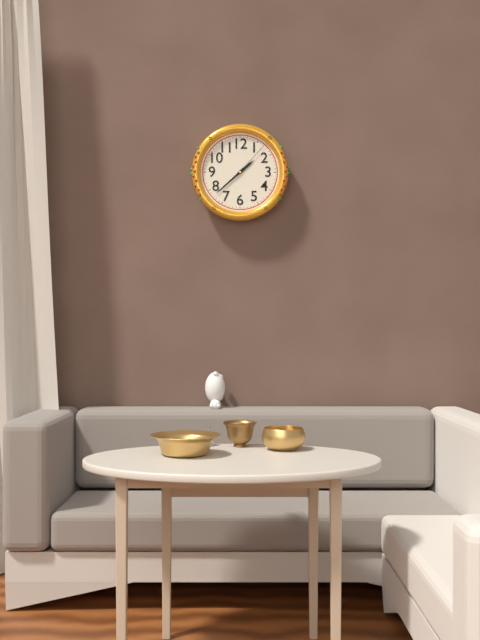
**1:38**
